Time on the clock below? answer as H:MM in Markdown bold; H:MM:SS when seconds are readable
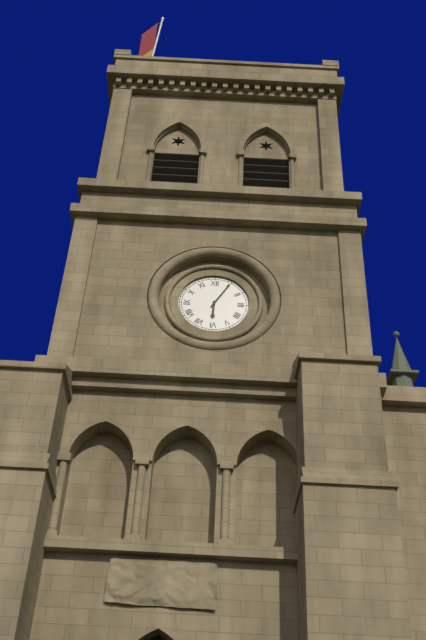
**6:05**
